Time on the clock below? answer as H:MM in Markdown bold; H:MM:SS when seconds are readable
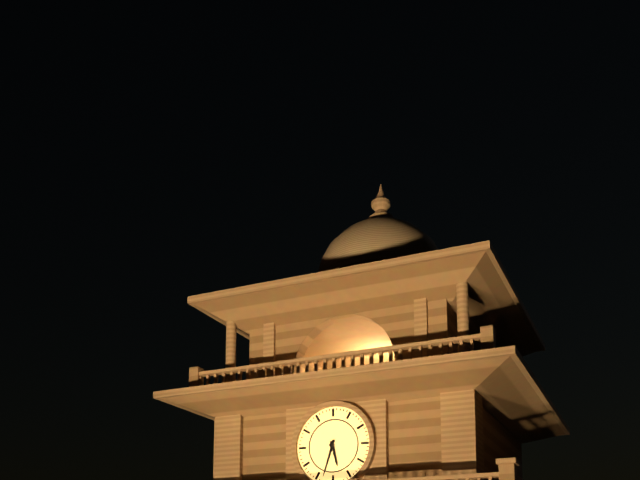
**5:33**
